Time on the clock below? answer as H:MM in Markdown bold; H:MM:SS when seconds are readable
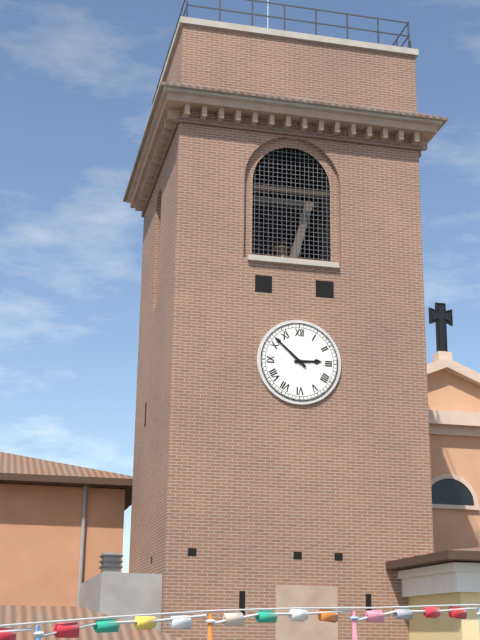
**2:52**
